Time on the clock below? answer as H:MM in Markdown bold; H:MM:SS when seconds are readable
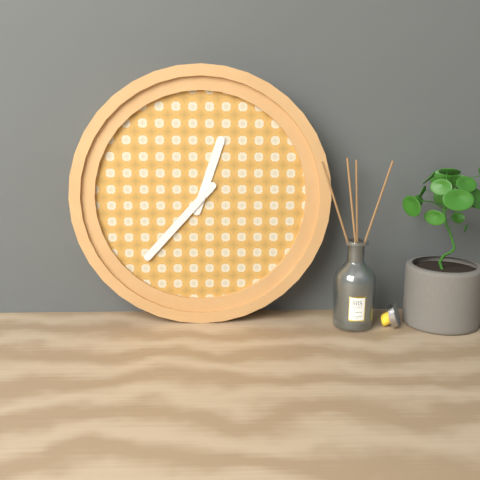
**12:37**
